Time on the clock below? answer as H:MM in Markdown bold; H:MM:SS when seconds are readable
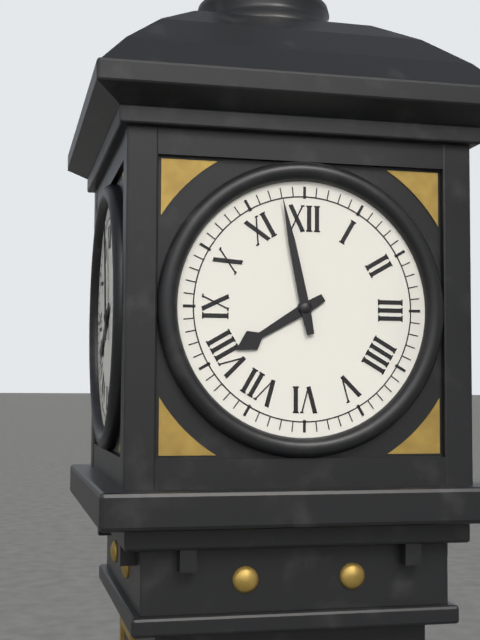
**7:58**
